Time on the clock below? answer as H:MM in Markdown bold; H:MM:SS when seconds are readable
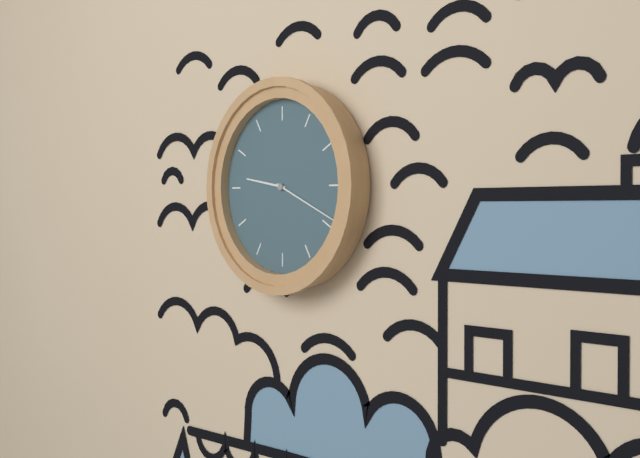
**9:19**
